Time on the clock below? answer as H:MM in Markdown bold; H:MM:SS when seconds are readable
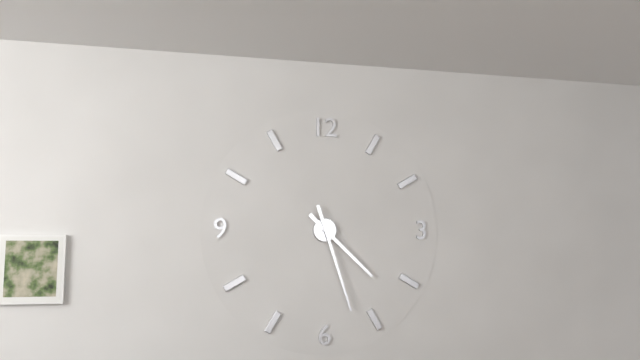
**4:27**
